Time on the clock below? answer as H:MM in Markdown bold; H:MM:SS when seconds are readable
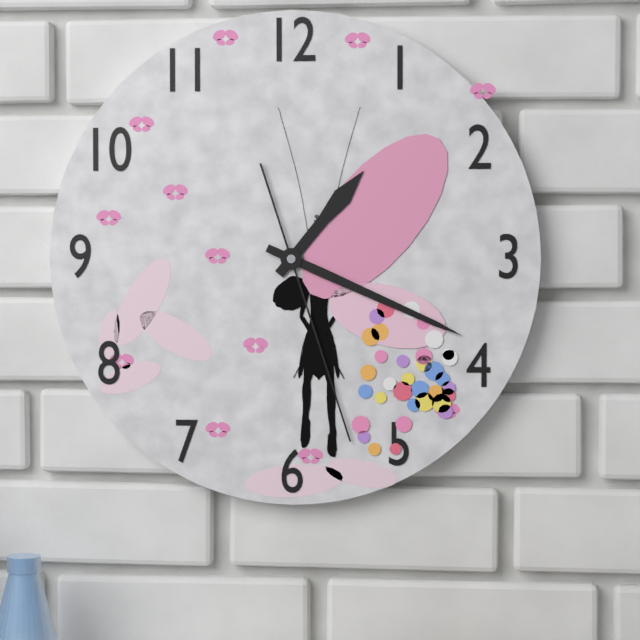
**1:19:27**
